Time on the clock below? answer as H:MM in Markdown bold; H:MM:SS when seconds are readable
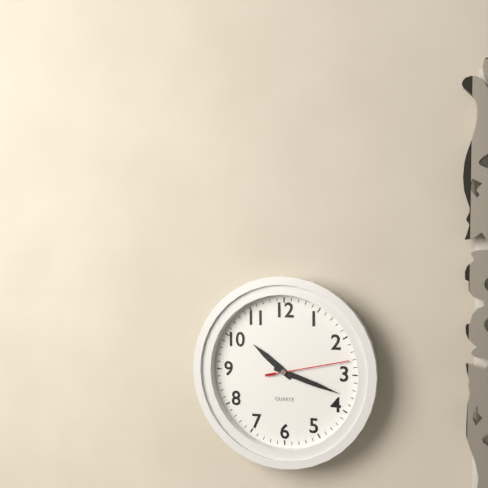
**10:18:13**
